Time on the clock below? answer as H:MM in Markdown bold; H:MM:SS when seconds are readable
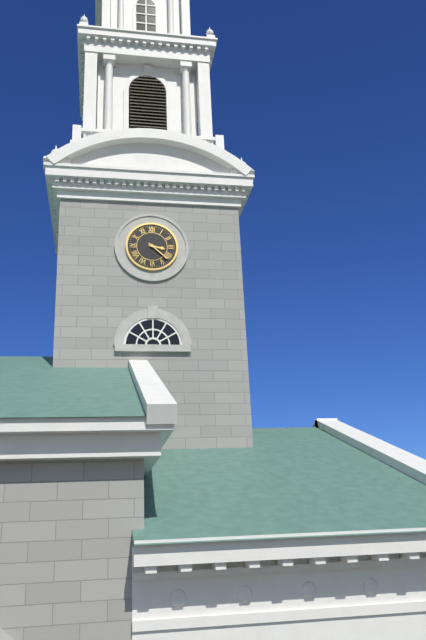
**3:22**
